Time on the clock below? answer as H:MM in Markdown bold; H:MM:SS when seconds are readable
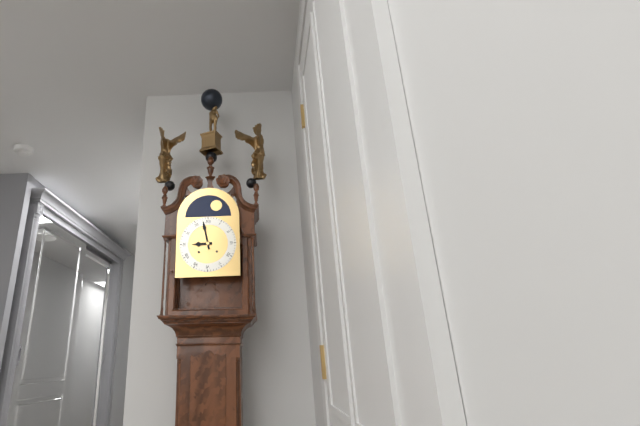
**8:58**
